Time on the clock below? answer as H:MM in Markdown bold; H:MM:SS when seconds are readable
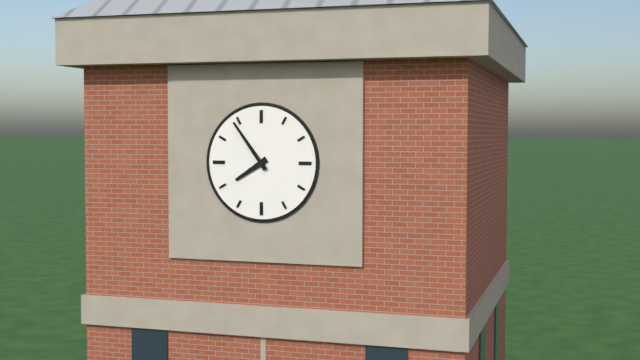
**7:54**
